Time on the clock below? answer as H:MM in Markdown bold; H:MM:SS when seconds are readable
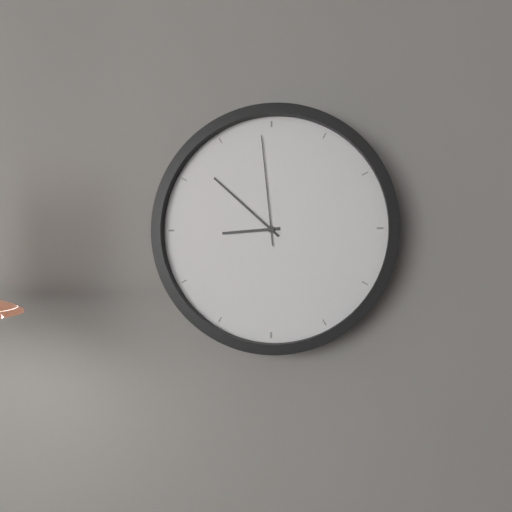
**8:52:59**
